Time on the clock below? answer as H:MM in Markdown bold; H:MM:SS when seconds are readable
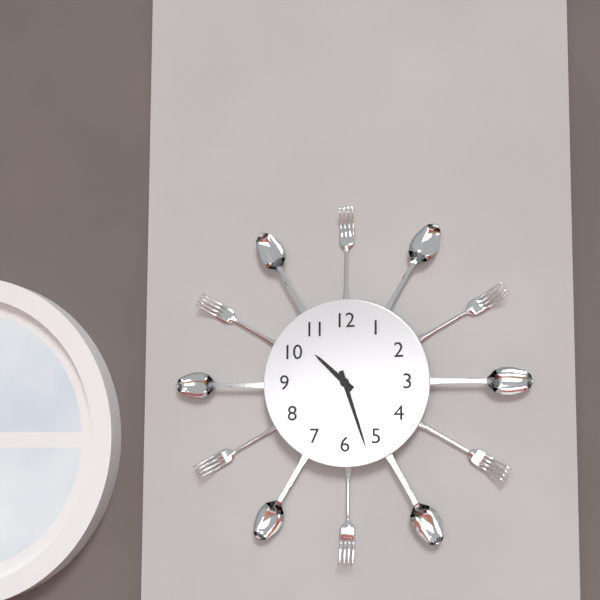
**10:27**
